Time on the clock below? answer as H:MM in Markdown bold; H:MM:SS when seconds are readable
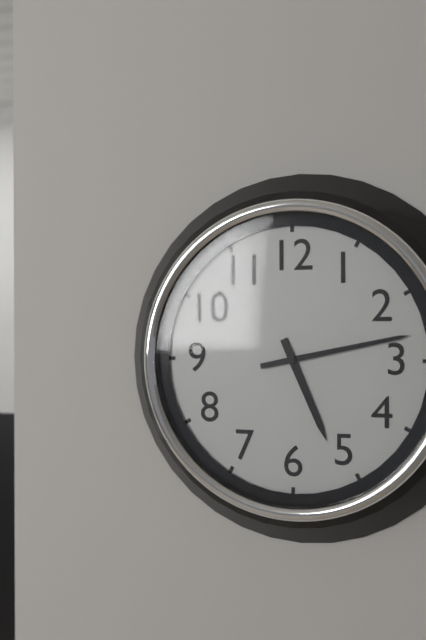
**5:13**
